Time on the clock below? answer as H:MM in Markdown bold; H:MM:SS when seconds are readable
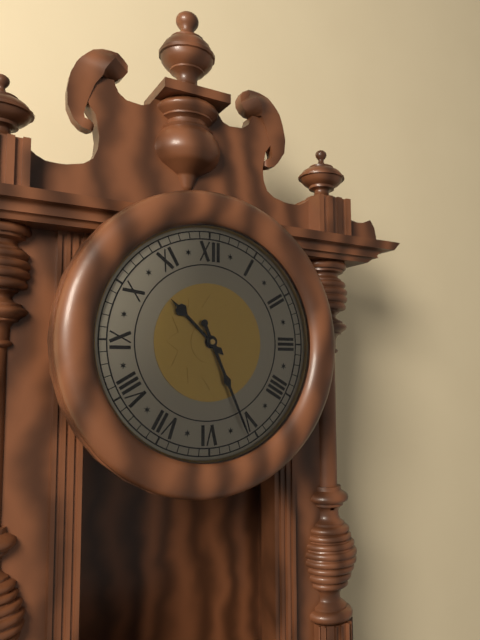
**10:26**
